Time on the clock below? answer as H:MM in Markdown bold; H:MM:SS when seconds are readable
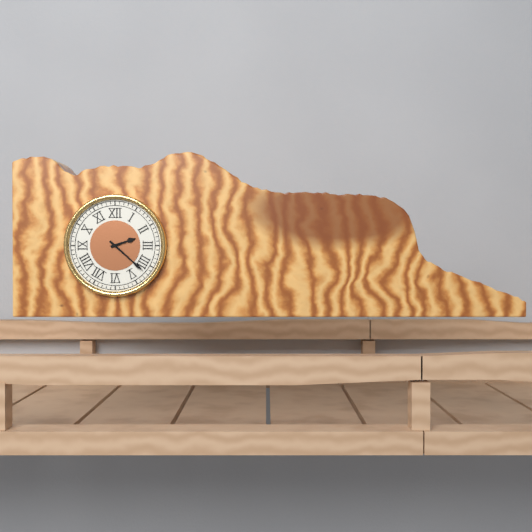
**2:22**
